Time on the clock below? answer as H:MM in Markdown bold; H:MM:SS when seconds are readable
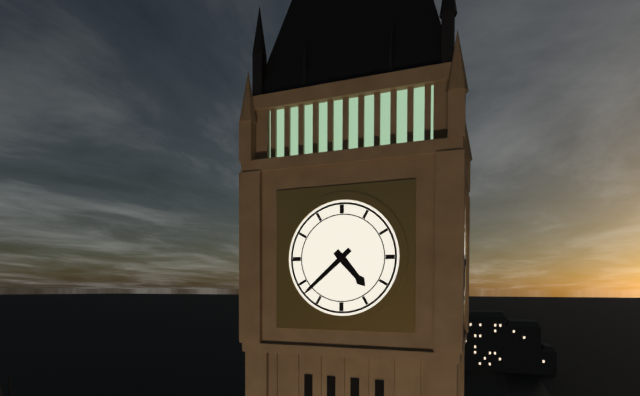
**4:38**
